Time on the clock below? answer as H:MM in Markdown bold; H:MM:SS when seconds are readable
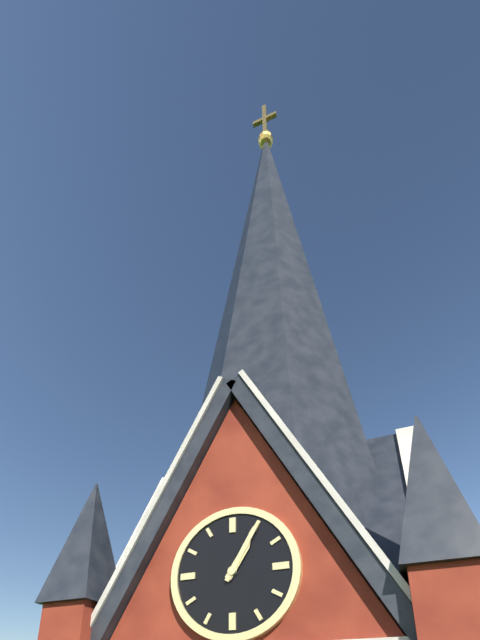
**1:05**
